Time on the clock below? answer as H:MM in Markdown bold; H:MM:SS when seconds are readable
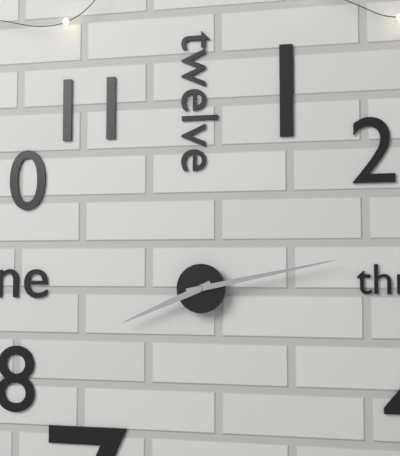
**8:13**
